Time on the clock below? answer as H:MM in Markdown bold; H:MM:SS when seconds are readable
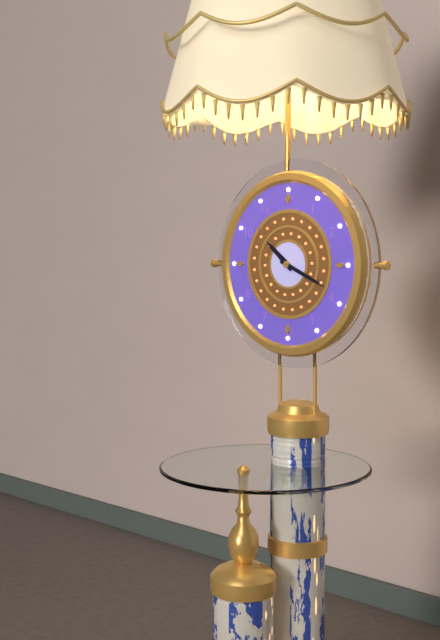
**10:19**
